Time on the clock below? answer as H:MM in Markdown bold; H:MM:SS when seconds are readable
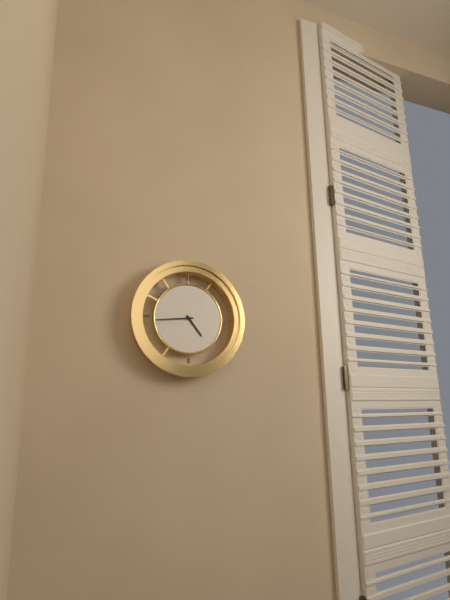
**4:44**
